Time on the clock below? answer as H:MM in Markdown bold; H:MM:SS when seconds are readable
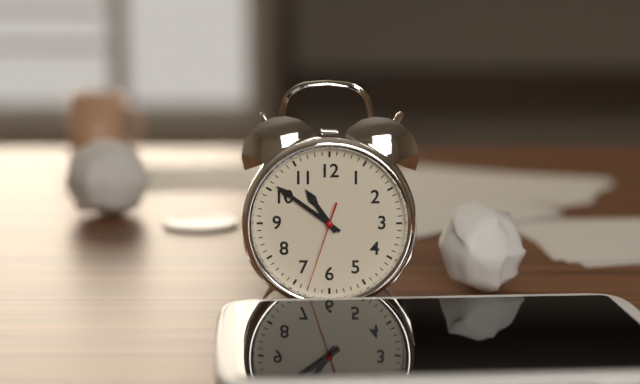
**10:51:33**
